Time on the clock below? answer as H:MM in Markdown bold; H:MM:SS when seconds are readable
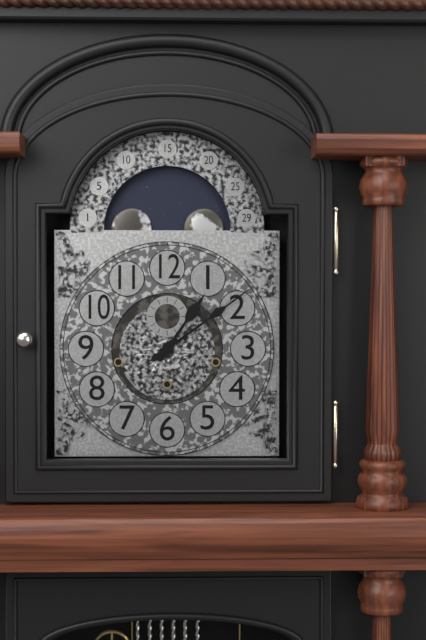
**1:09**
